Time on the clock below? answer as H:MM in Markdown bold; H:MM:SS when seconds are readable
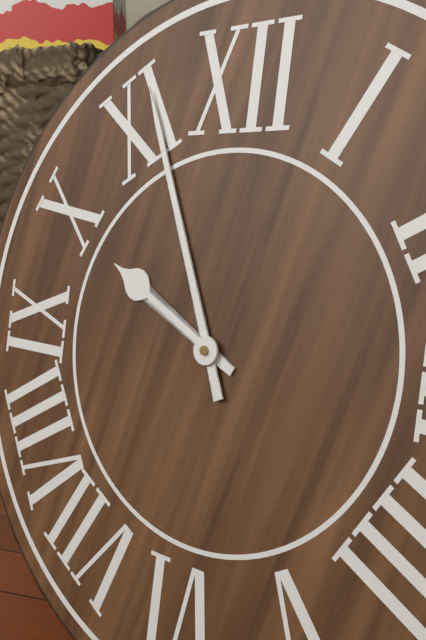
**9:56**
